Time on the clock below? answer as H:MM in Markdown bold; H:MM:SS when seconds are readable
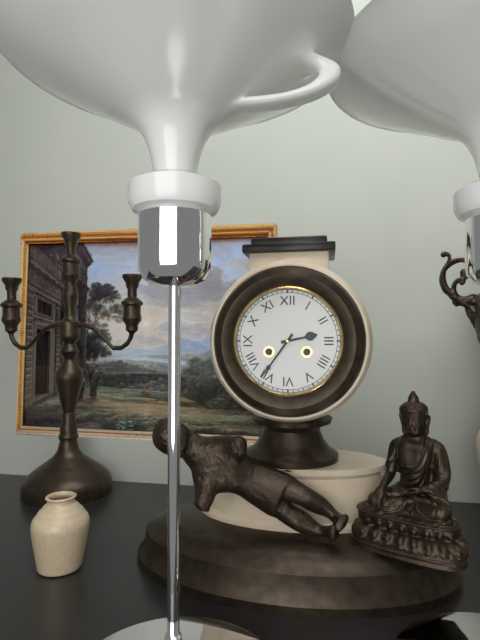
**2:36**
